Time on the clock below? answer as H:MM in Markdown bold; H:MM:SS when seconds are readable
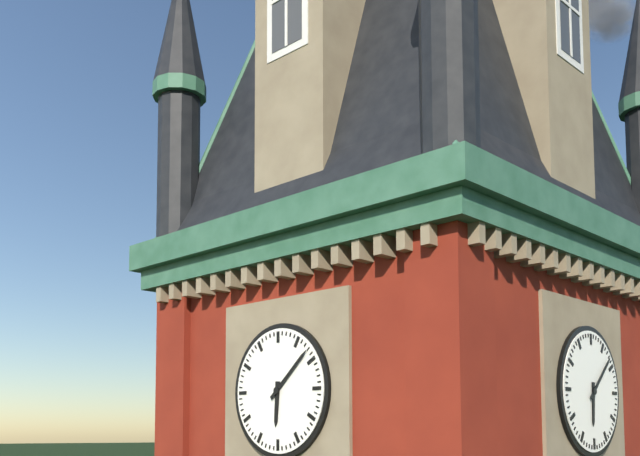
**6:08**
